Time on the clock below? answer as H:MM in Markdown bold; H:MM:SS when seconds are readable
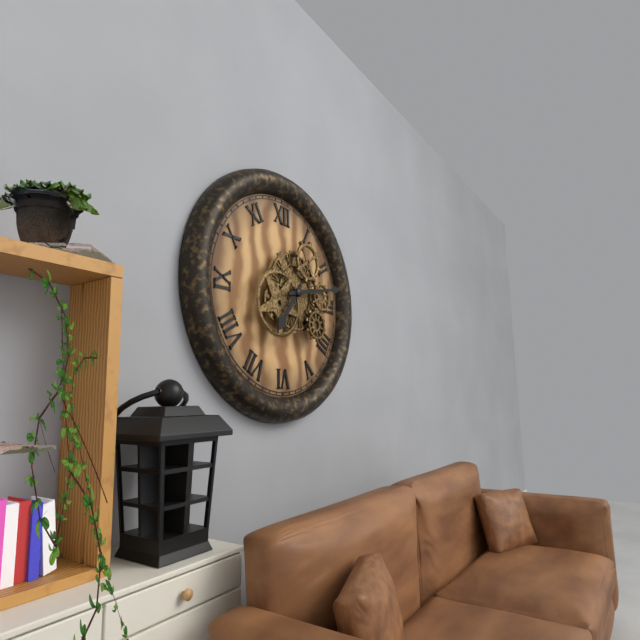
**7:13**
